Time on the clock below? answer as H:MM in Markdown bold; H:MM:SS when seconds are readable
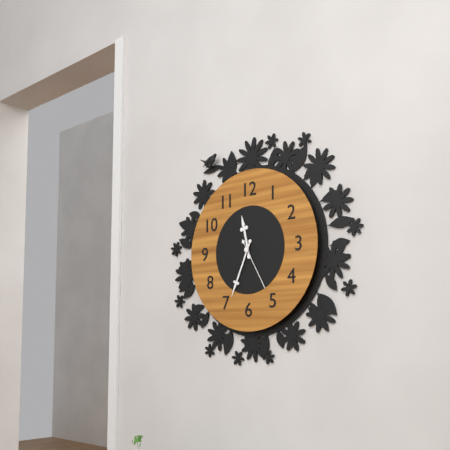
**11:34:25**
